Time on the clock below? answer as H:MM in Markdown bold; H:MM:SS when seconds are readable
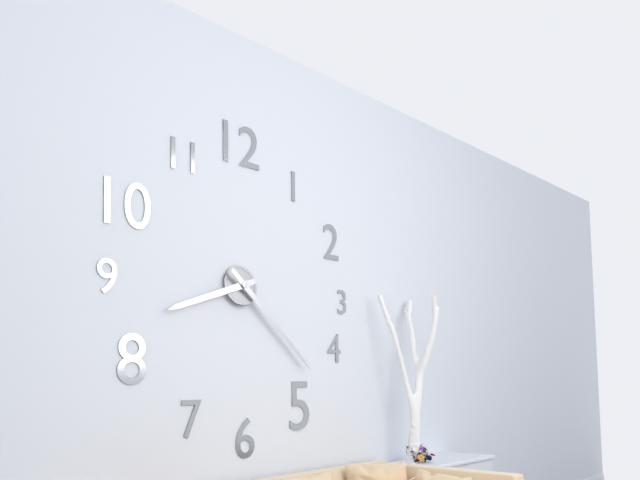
**8:22**
